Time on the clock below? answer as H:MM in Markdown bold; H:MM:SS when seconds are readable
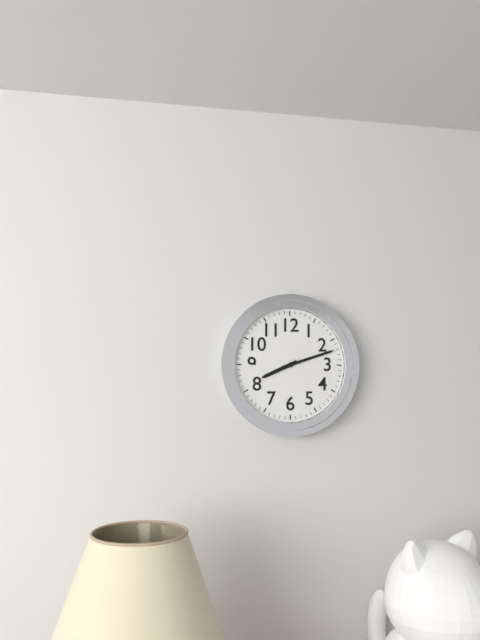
**8:12**
